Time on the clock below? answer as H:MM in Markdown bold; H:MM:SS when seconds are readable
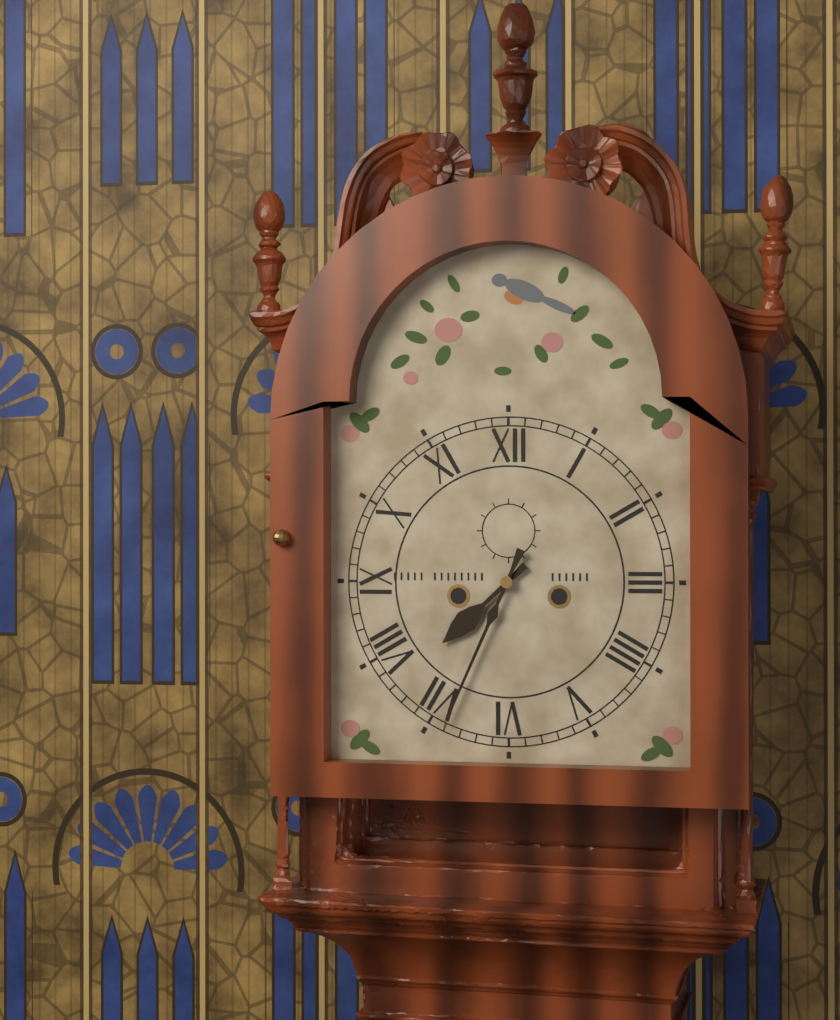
**7:34**
